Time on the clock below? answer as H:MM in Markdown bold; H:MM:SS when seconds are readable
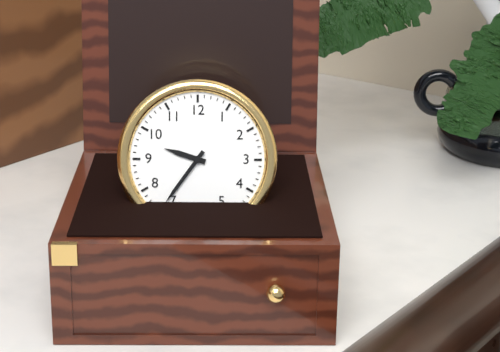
**9:36**
